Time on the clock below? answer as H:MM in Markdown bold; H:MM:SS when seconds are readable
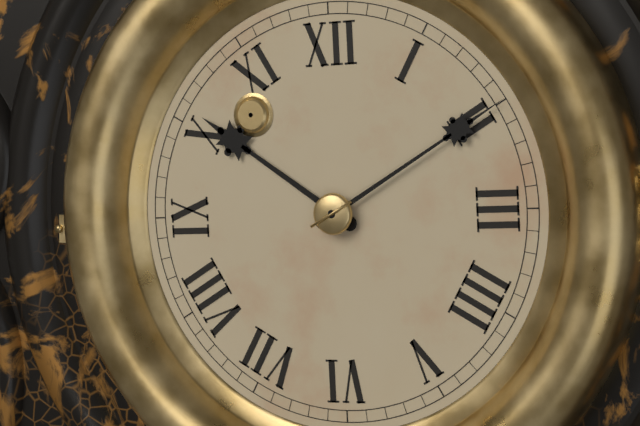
**10:10**
